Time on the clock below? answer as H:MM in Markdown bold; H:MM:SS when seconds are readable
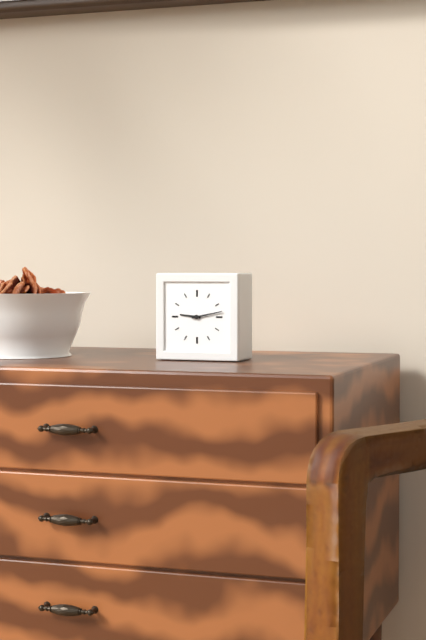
**9:13**
